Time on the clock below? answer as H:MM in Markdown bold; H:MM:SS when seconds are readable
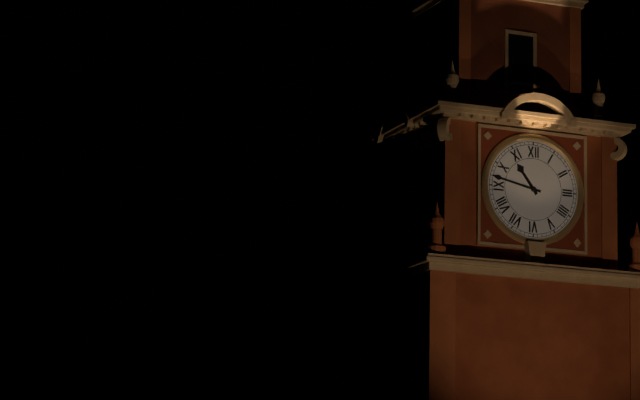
**10:47**
